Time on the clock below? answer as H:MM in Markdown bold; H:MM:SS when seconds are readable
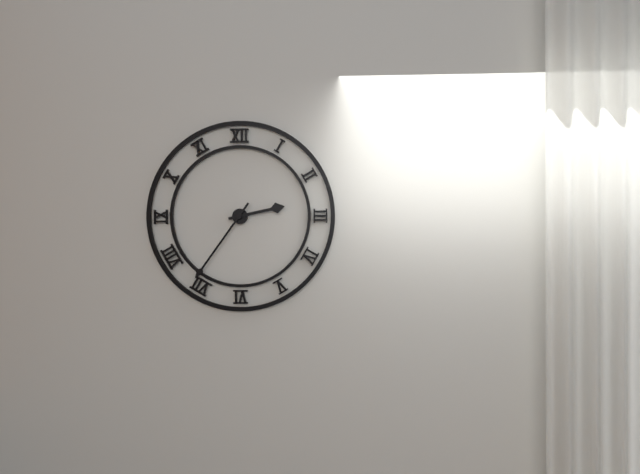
**2:36**
